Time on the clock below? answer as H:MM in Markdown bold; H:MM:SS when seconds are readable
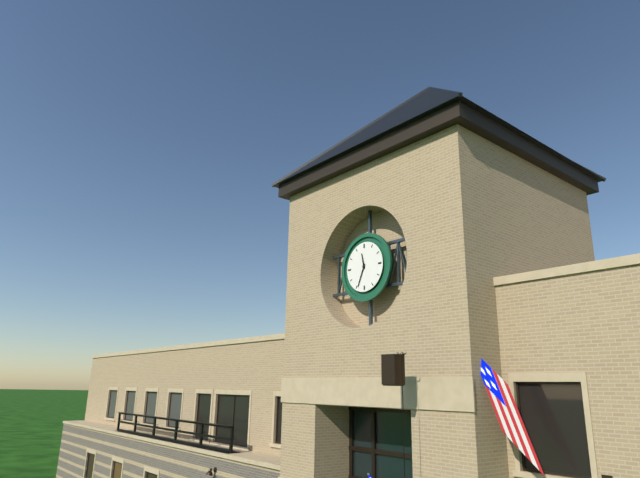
**11:34**
